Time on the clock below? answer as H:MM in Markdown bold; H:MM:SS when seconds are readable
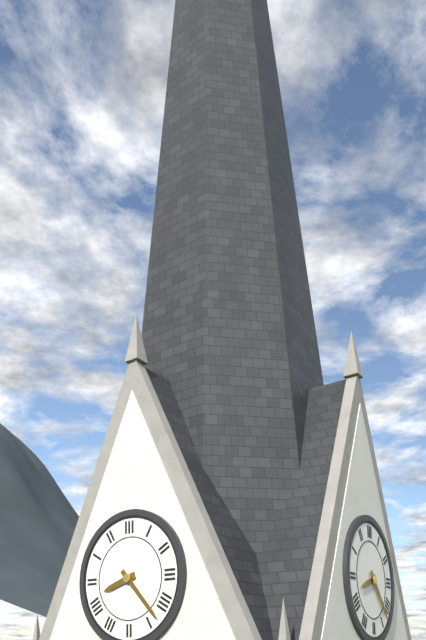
**8:23**
